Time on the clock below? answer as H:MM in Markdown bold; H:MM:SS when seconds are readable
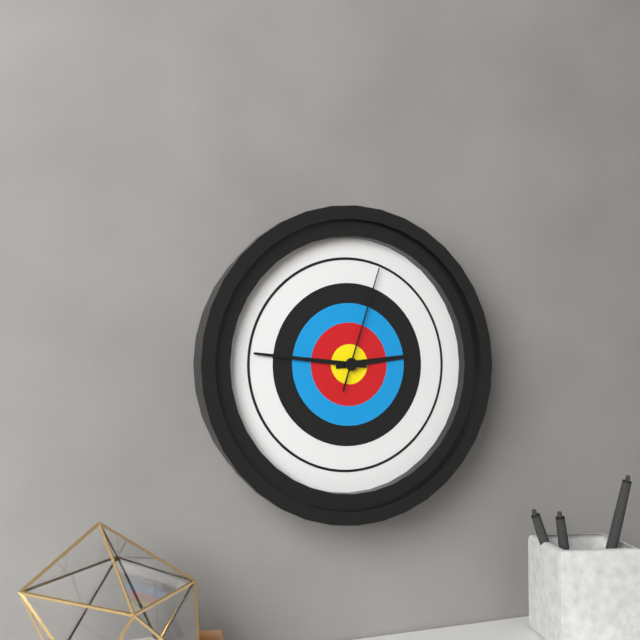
**2:46:03**
